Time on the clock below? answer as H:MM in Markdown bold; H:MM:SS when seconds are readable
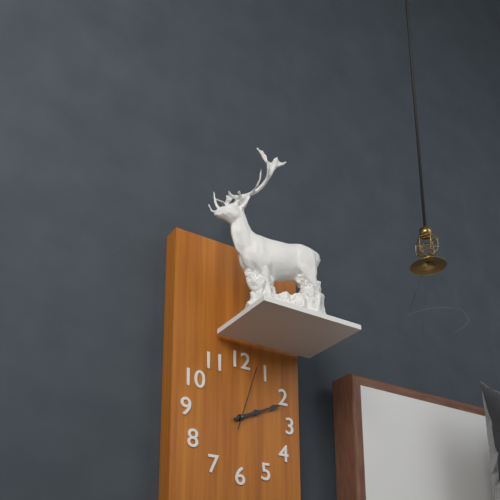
**2:11:03**
